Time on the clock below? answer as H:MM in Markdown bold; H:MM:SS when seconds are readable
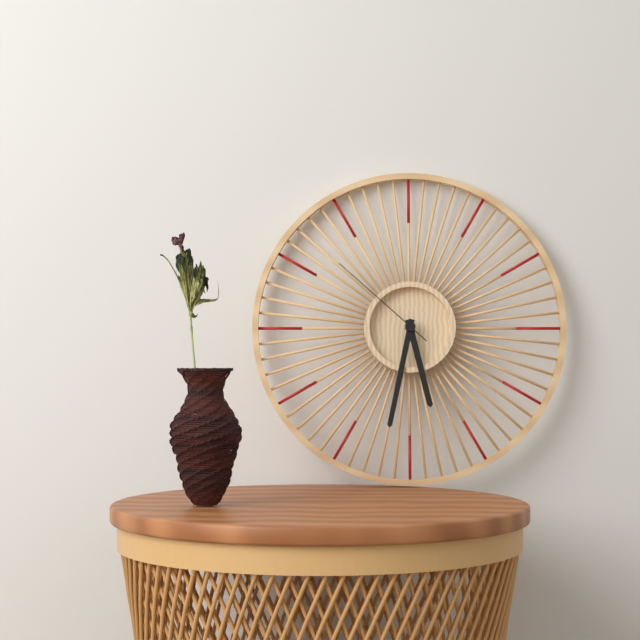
**5:32:52**
